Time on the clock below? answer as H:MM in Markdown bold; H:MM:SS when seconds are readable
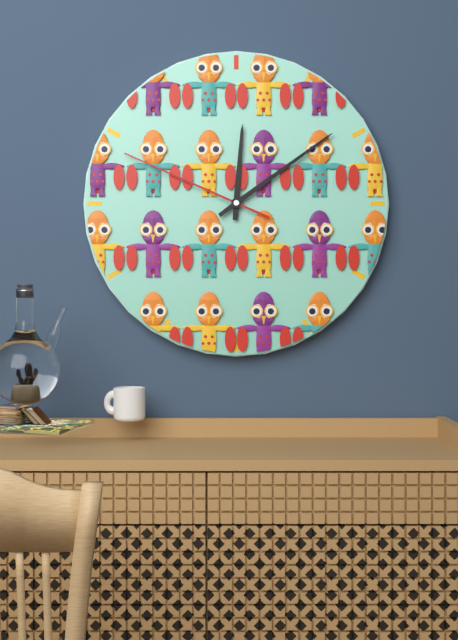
**12:09:49**
